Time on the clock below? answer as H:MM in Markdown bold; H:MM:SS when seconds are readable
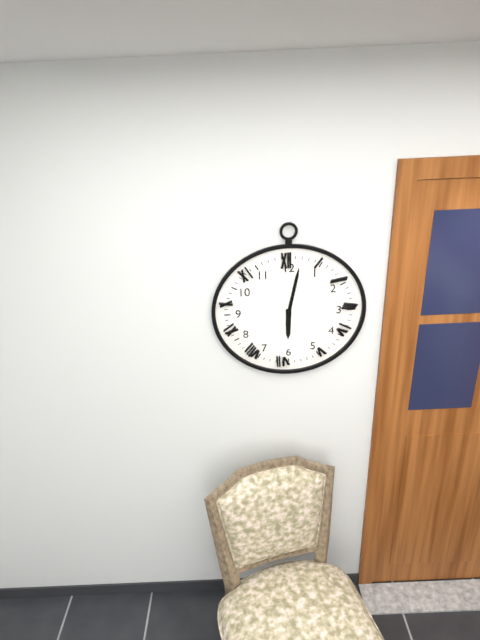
**6:02**
